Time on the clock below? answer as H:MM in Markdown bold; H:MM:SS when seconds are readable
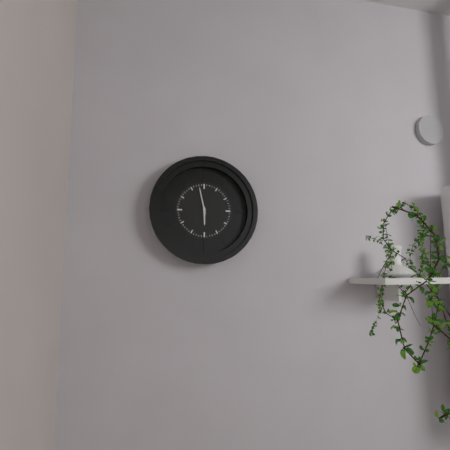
**5:58**
